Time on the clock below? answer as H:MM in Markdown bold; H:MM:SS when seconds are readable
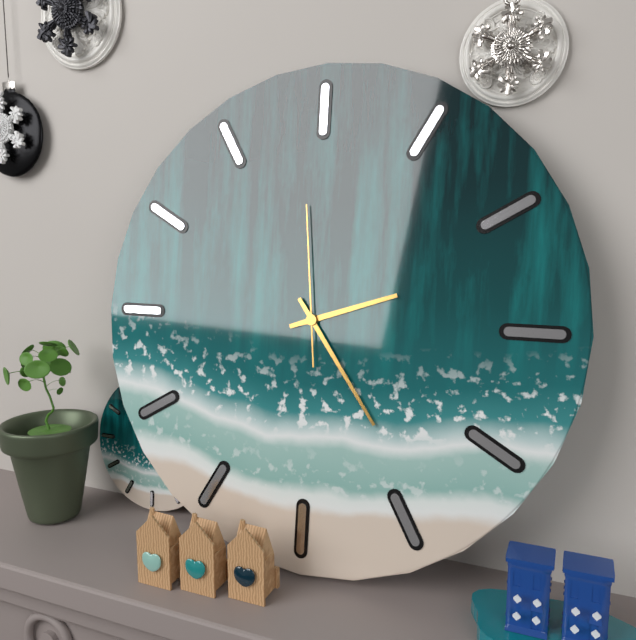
**2:24:59**
